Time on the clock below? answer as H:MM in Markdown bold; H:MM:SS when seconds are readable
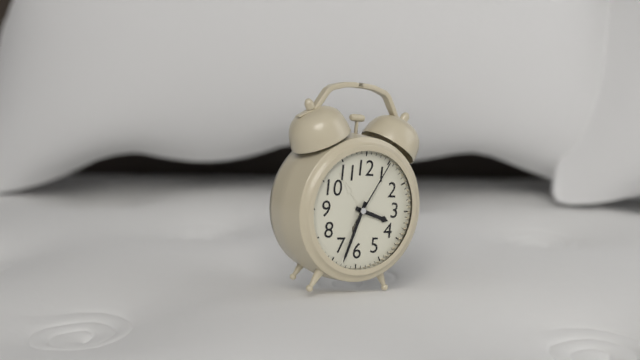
**3:33:05**
